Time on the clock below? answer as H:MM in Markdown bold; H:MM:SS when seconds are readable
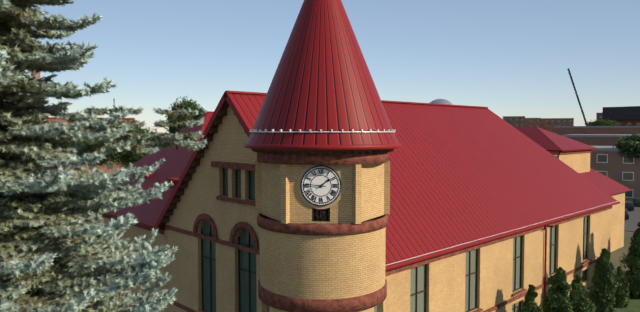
**1:46**
